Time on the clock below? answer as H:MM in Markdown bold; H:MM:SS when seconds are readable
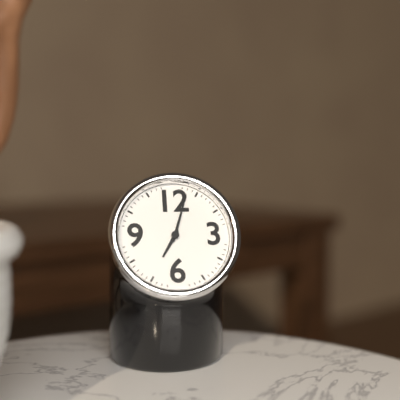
**7:03**
